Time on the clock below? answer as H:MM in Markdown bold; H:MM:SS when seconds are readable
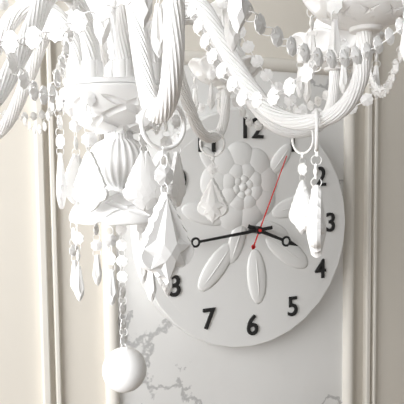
**3:44:04**
